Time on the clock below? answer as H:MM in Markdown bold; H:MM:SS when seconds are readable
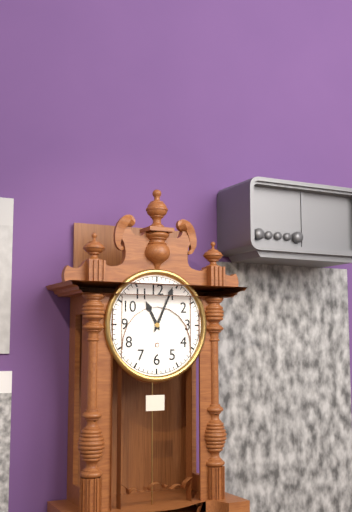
**11:04**
